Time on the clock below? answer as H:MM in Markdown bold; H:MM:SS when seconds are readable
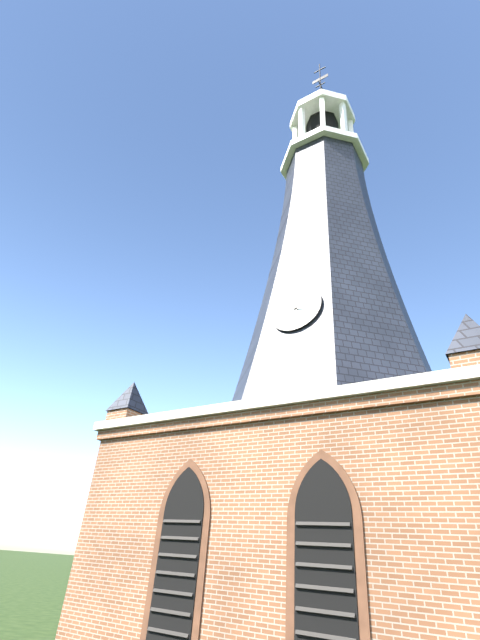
**5:17**
